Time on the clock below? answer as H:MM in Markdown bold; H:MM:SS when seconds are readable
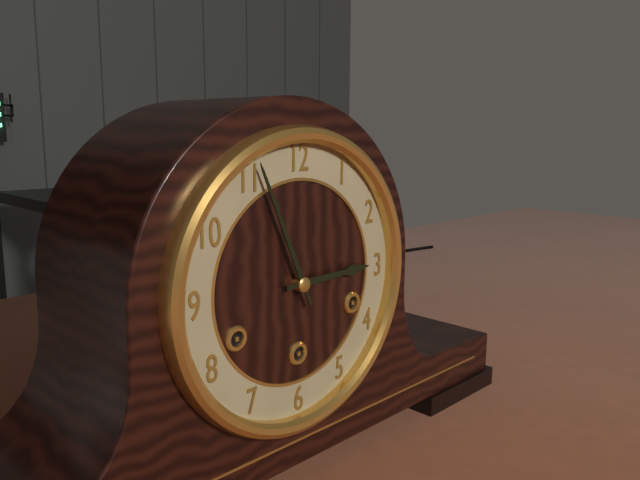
**2:56**
